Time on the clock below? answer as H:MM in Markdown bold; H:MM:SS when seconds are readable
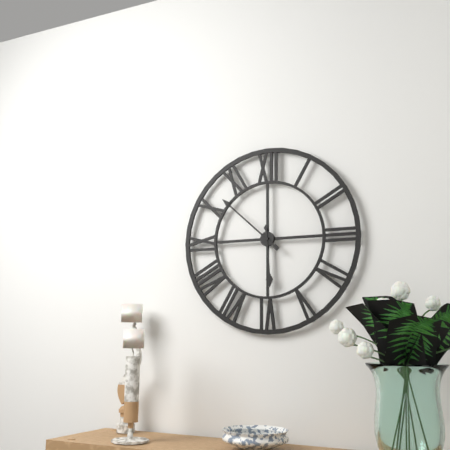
**5:52**
